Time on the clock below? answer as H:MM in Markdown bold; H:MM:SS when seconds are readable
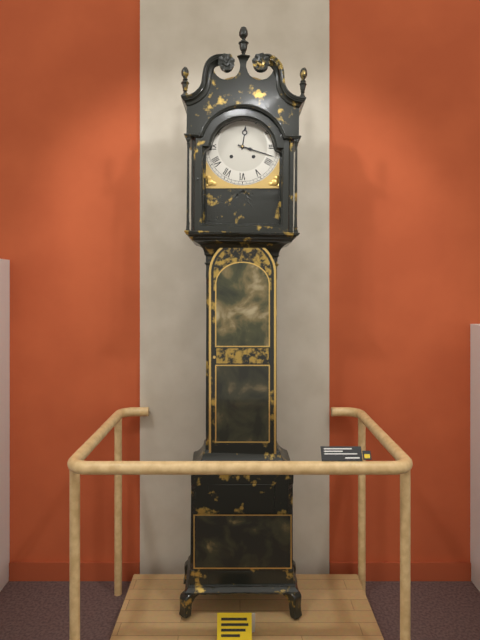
**12:18**
